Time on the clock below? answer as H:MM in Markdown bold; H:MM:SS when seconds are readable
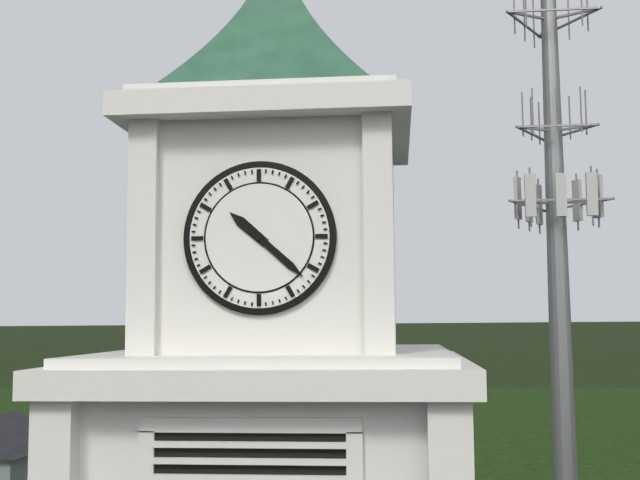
**10:22**
